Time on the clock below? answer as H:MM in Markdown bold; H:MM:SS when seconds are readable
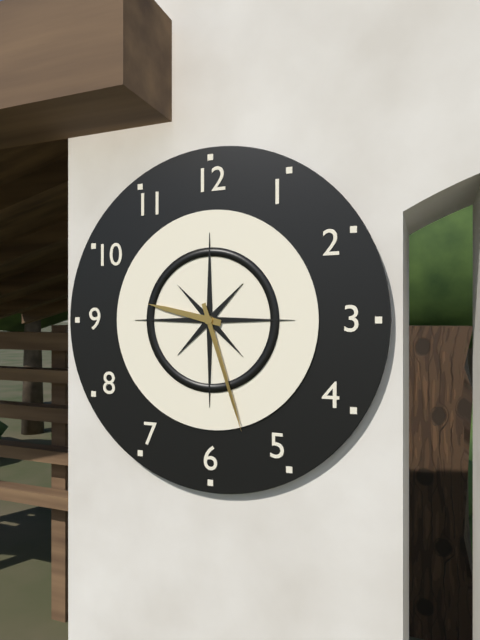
**9:27**
